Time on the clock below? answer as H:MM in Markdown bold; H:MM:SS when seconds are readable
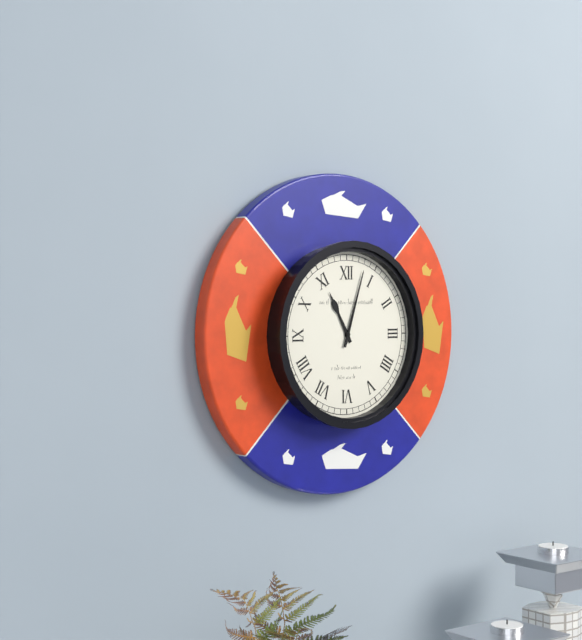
**11:03**
